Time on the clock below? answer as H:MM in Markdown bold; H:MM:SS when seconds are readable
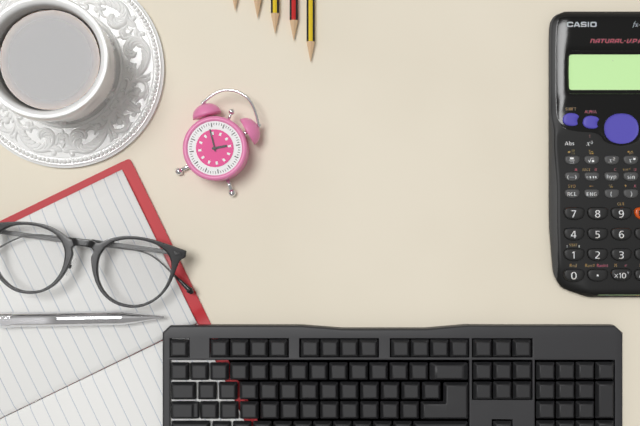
**1:54**
